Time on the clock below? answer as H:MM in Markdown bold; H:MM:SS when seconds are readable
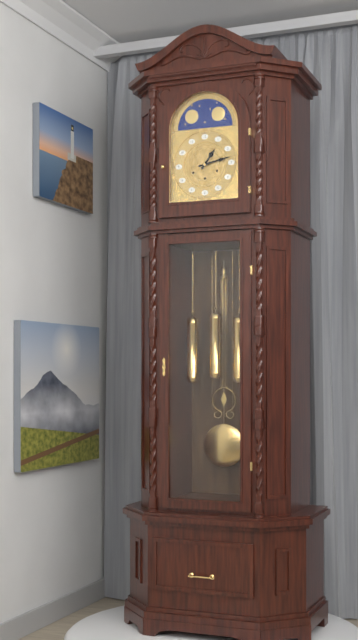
**1:13**
